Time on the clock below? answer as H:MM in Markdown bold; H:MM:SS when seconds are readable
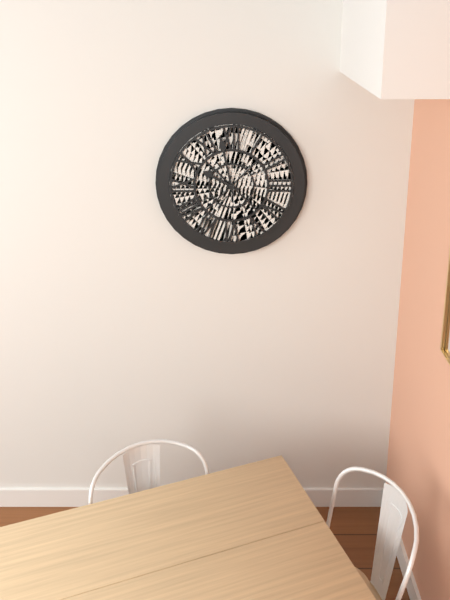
**9:58**
